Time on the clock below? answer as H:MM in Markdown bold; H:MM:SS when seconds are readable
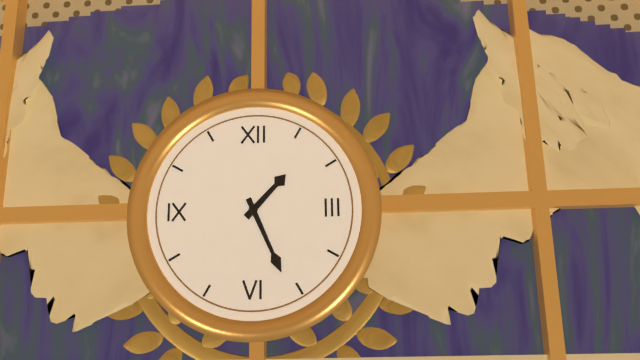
**1:26**
